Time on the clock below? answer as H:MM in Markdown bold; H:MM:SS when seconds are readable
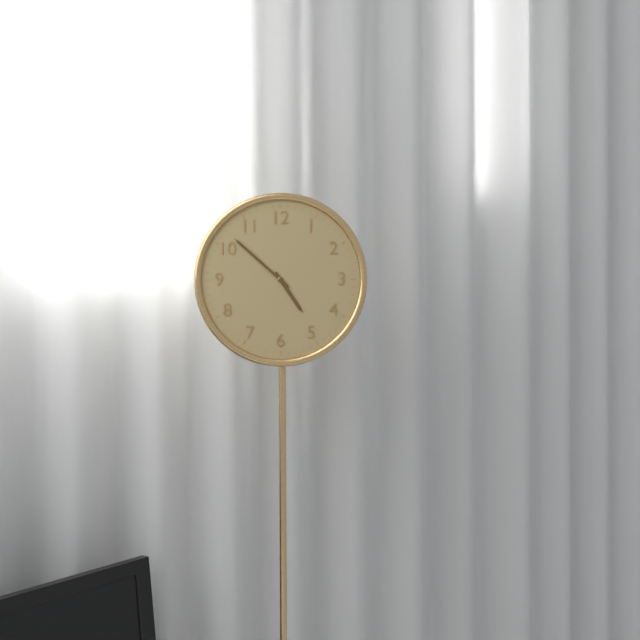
**4:52**
